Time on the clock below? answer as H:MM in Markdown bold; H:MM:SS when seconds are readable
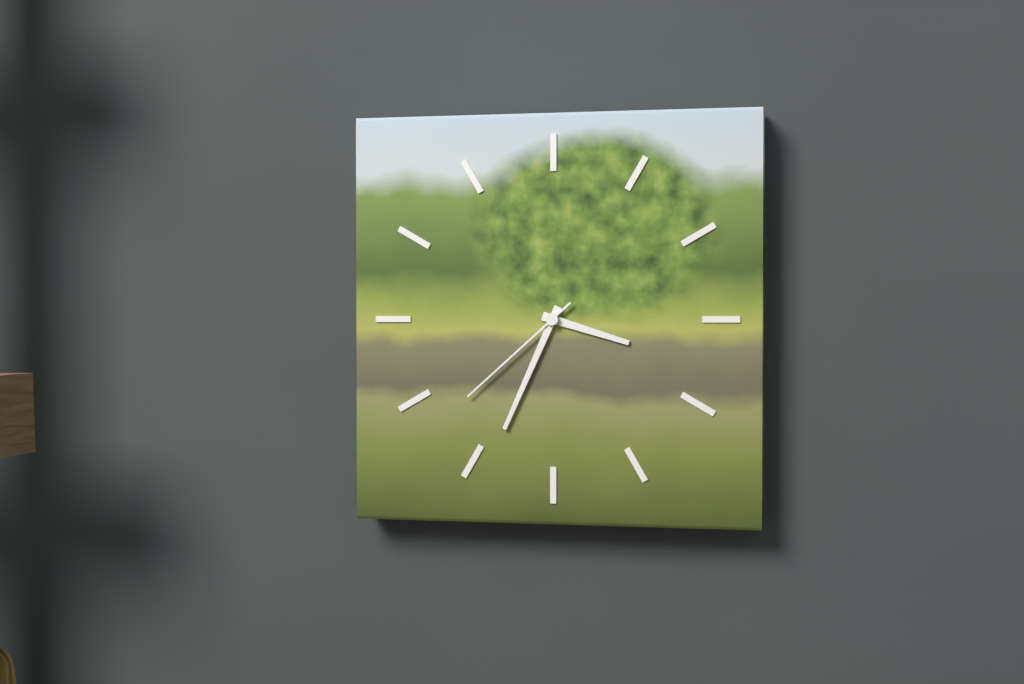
**3:34:38**
